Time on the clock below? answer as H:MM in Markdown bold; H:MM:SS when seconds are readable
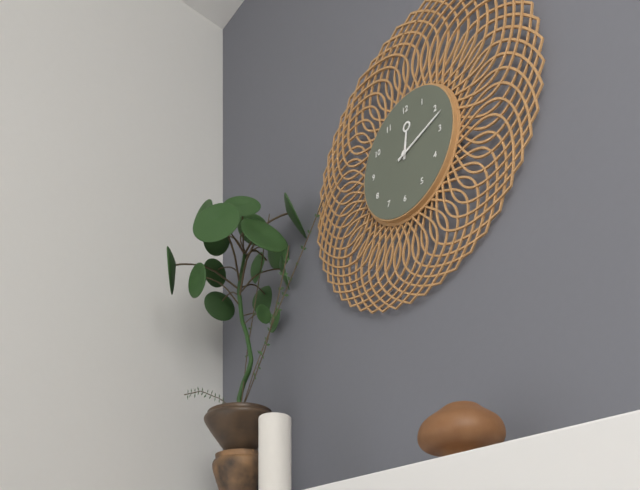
**12:12**
